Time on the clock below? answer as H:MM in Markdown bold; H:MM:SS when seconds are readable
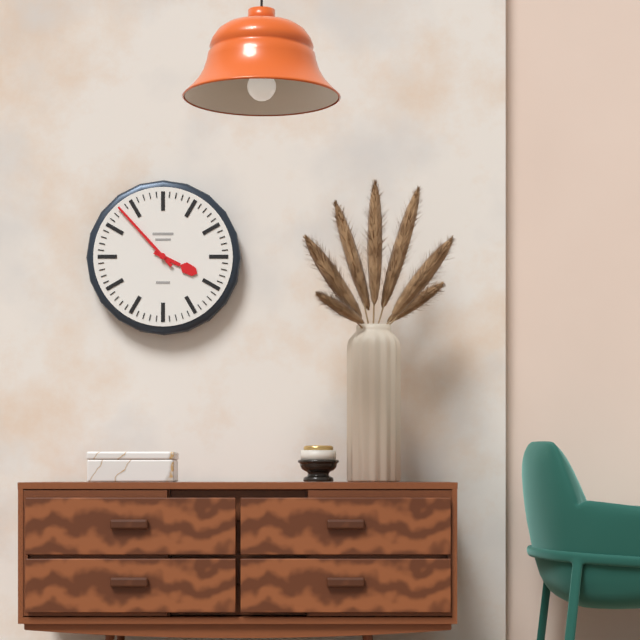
**3:53**
